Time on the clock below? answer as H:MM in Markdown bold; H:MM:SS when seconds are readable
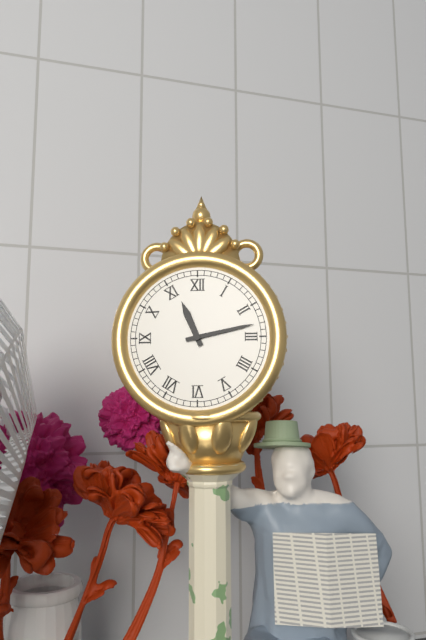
**11:13**
